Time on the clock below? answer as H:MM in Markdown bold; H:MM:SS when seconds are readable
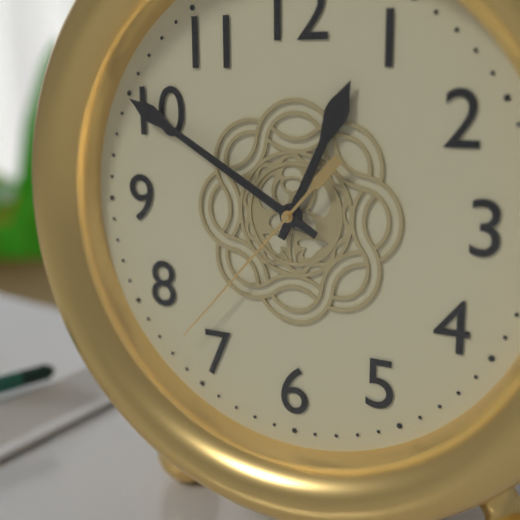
**12:50:37**
